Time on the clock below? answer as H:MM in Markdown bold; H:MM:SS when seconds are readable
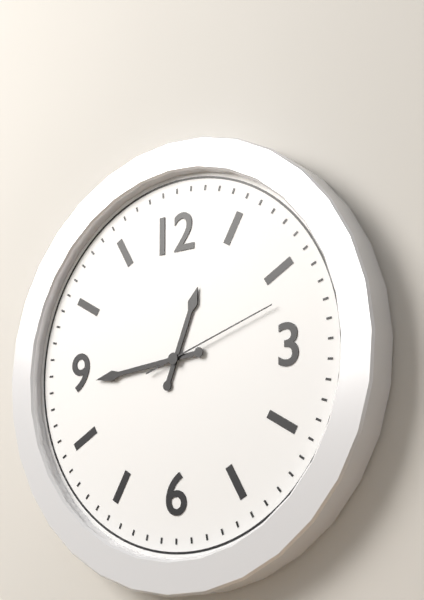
**12:44:12**
